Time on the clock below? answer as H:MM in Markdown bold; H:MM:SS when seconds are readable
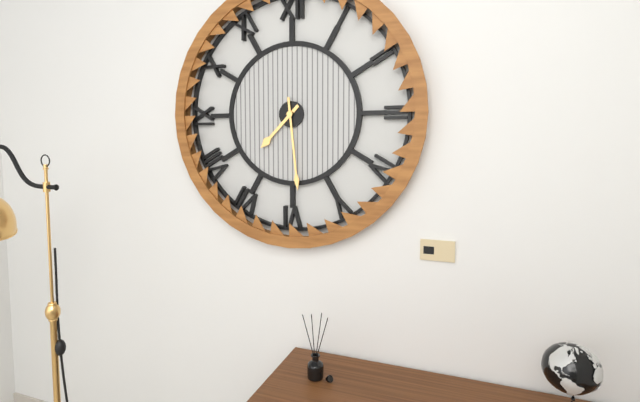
**7:29**
